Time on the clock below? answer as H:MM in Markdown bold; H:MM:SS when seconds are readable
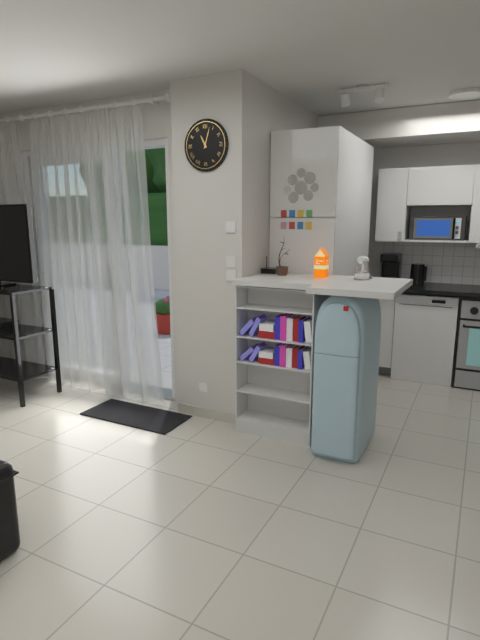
**11:03**
